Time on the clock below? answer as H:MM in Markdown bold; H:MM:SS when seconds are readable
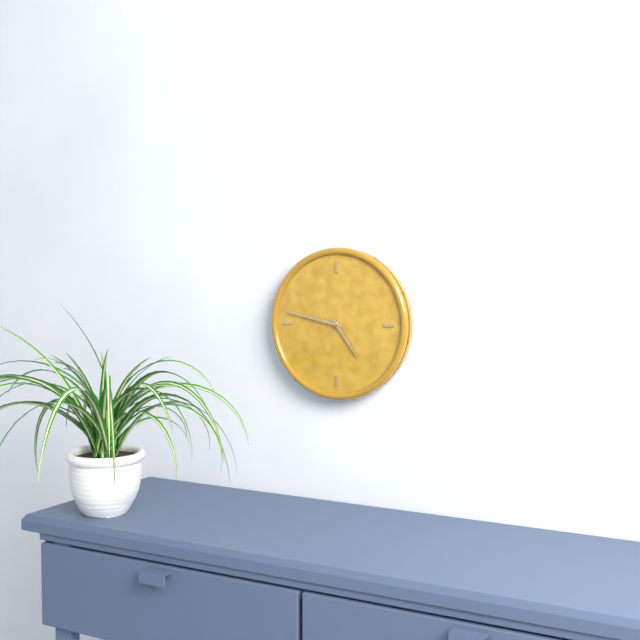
**4:47**
